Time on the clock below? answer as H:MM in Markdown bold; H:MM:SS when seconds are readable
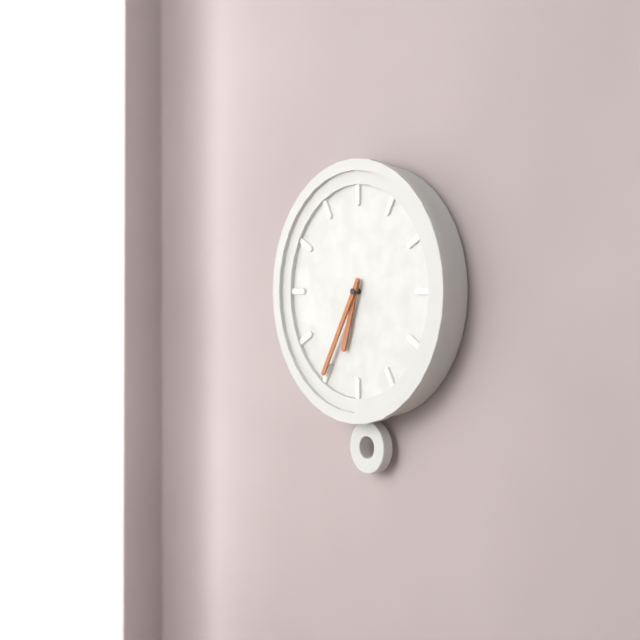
**6:35**
